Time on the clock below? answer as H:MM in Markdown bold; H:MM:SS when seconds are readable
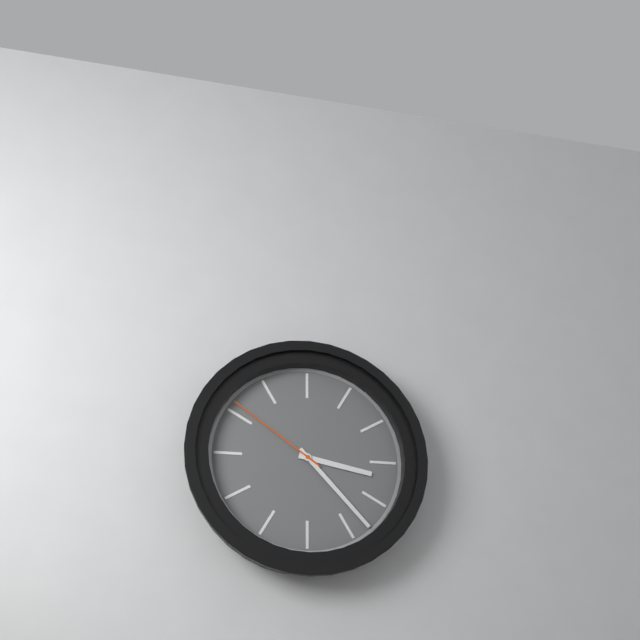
**3:23:51**
